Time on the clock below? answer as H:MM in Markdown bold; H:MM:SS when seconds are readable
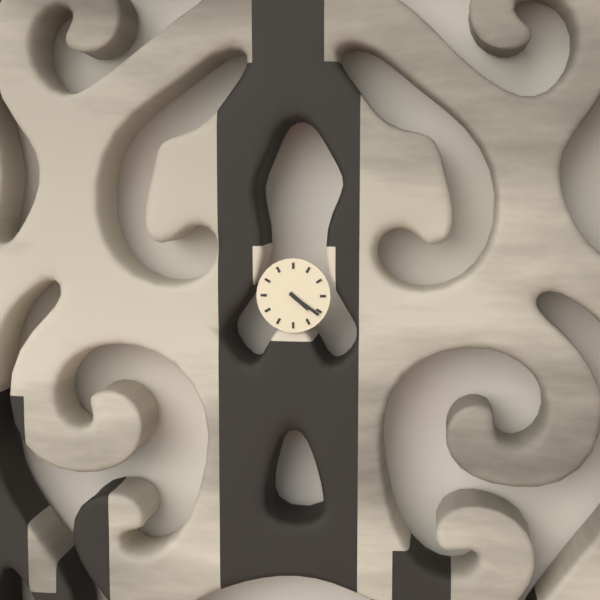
**4:21**
